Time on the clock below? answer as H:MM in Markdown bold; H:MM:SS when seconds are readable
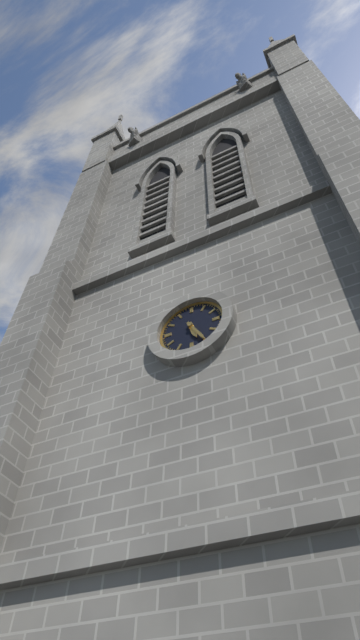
**5:25**
